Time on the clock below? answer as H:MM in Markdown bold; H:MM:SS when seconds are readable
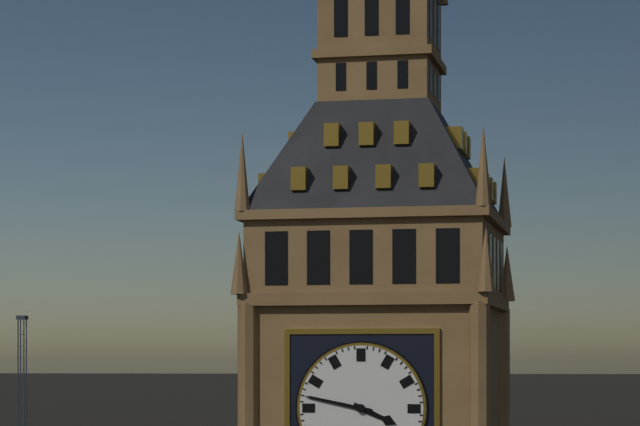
**3:47**
